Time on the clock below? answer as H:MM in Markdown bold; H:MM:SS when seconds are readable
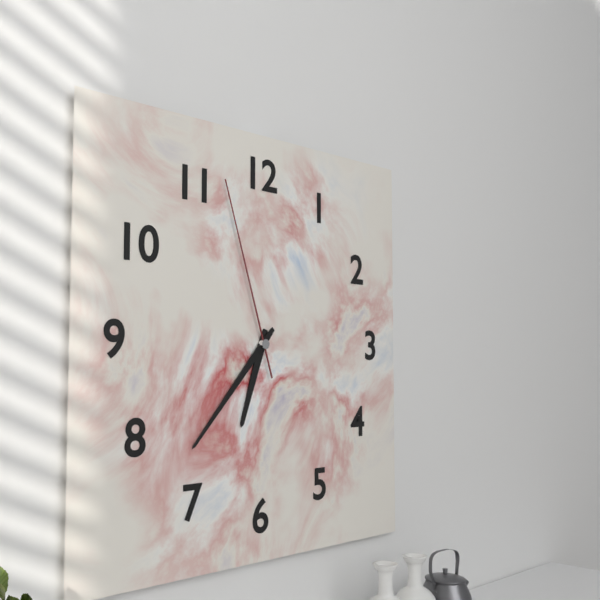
**6:37:57**
